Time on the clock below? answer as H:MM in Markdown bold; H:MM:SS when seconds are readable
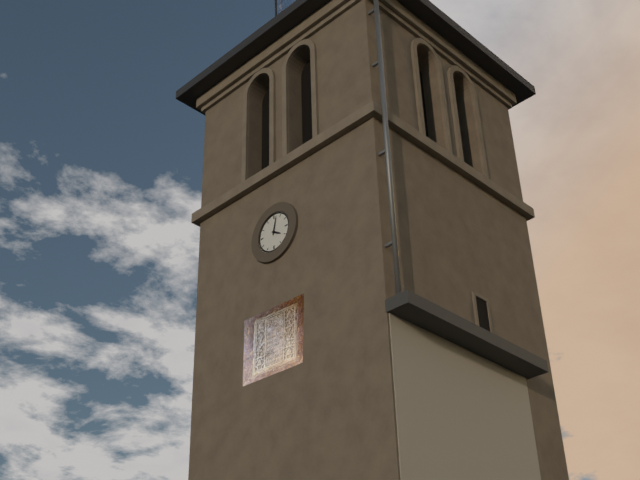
**4:02**
